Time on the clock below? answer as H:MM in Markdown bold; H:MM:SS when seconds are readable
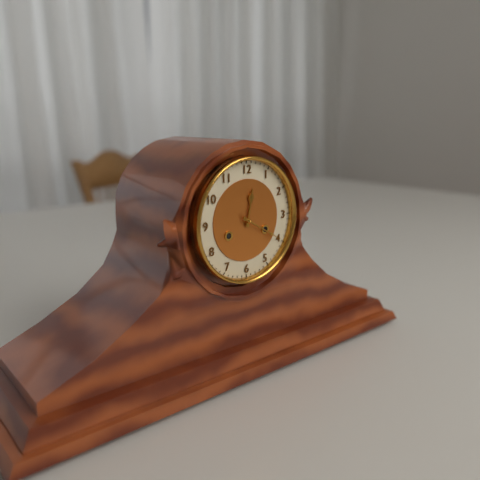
**12:20**
